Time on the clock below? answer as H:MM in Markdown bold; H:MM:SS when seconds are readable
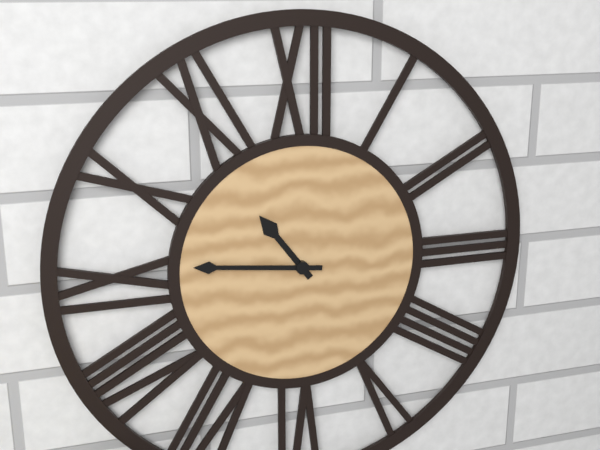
**10:46**
